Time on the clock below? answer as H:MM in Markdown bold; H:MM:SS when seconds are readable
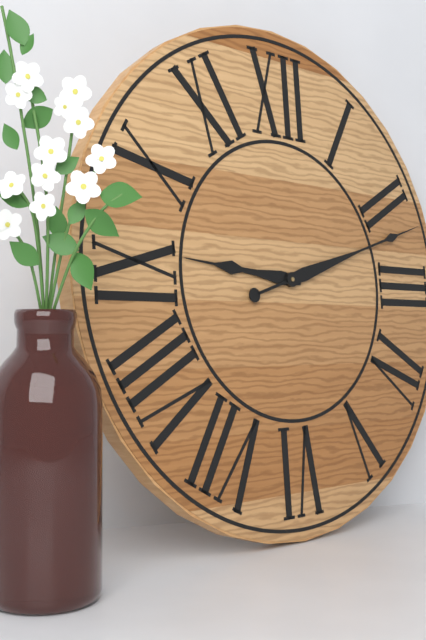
**9:12**
